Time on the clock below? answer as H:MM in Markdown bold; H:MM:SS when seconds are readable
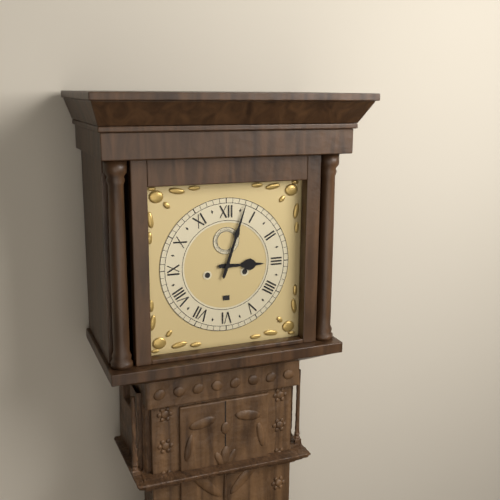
**3:03**
